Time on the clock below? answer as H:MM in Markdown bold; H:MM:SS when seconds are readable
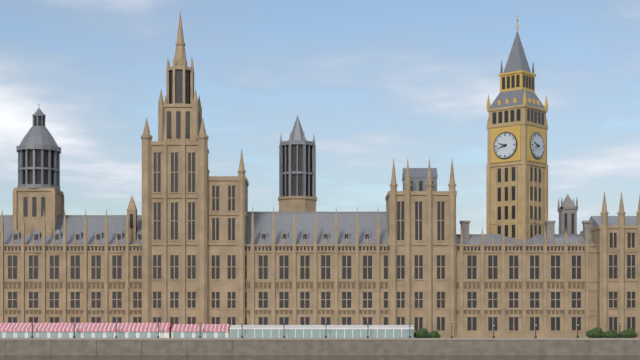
**9:42**
